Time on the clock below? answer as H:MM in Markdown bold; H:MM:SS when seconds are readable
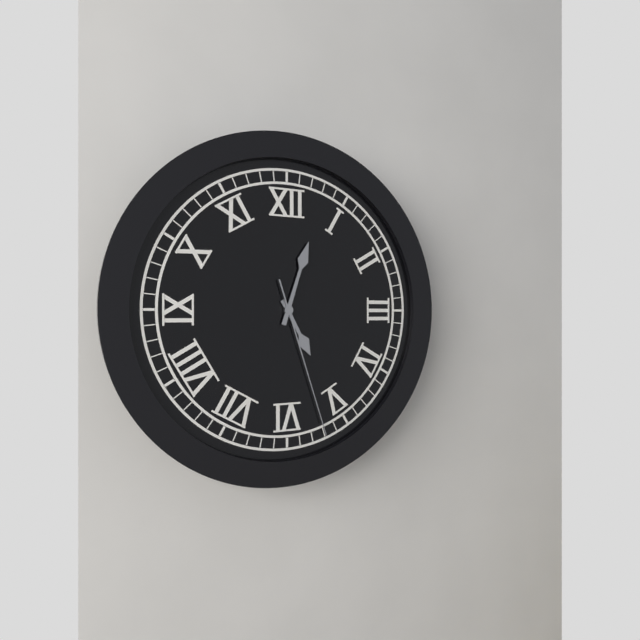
**5:03:27**
